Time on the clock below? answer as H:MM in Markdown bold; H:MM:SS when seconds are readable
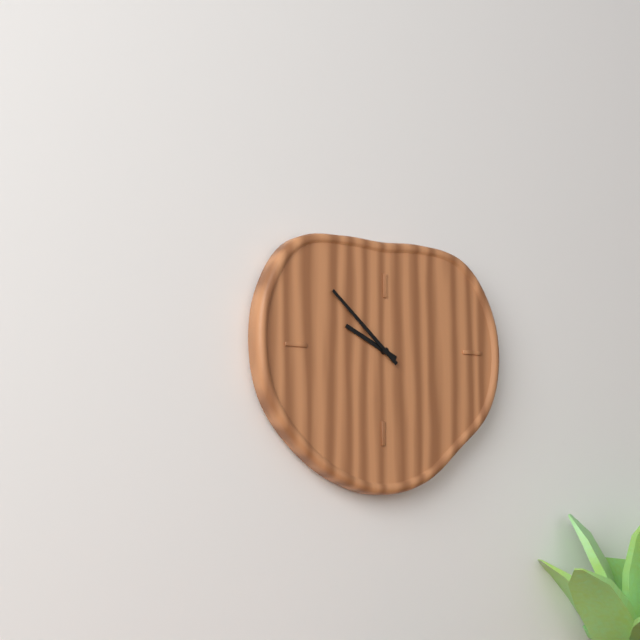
**9:52**
